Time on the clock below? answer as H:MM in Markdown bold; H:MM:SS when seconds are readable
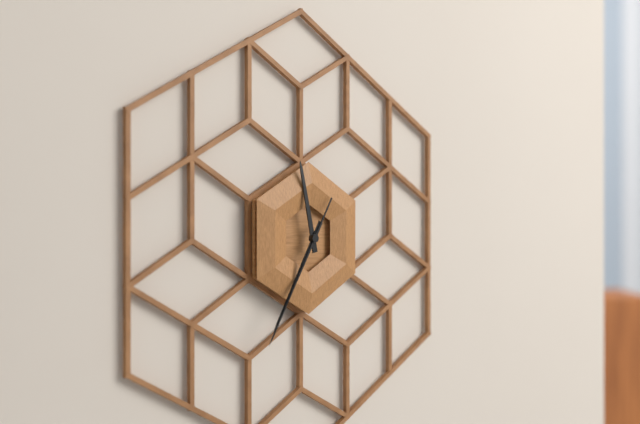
**11:35:35**
